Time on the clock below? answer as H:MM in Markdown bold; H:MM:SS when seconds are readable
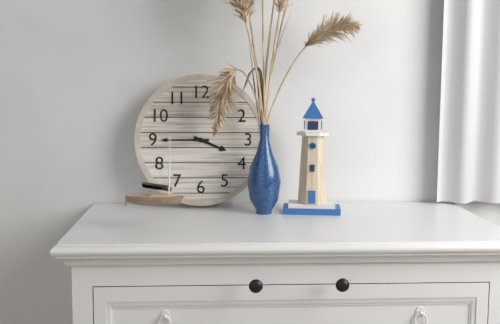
**3:45**
